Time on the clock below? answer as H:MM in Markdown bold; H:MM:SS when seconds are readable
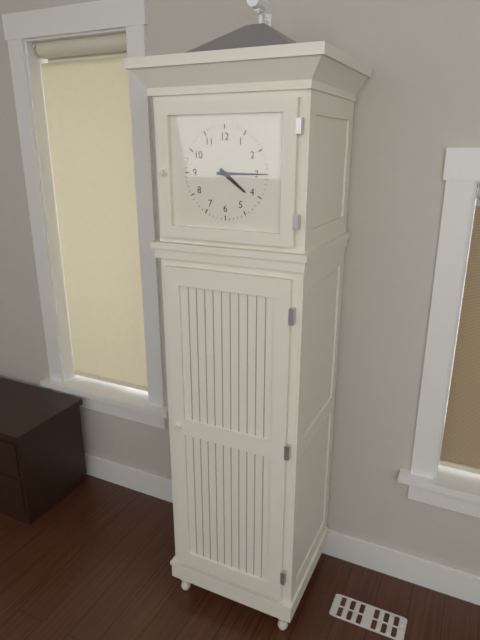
**4:15**
